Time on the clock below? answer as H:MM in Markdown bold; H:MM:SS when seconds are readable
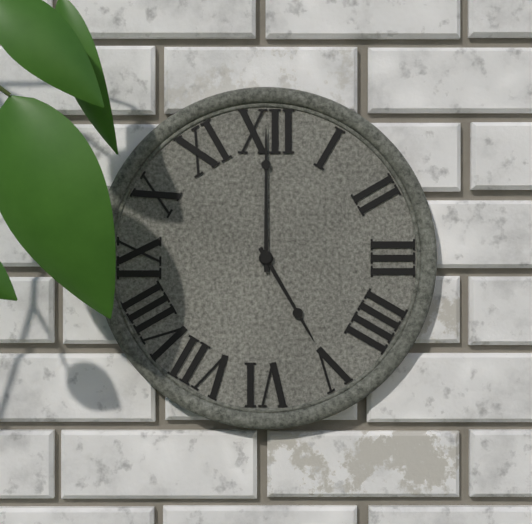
**5:00**
